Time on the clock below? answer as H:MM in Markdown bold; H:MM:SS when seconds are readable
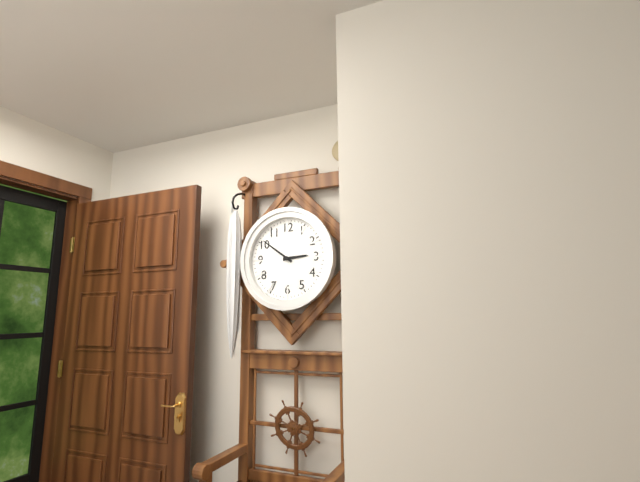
**2:51**
